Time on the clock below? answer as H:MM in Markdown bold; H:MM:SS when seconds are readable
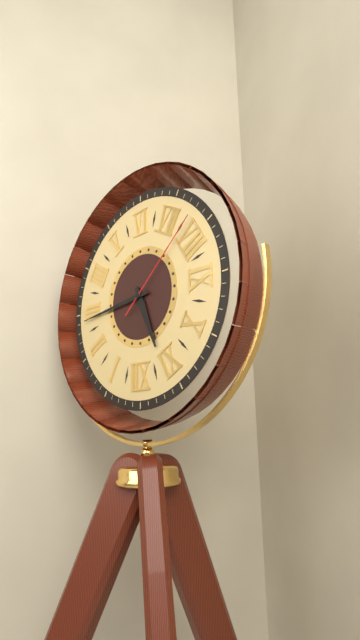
**11:14:38**
